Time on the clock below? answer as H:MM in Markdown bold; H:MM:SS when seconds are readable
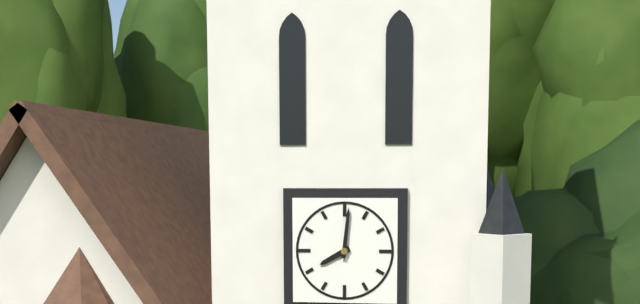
**8:01**
